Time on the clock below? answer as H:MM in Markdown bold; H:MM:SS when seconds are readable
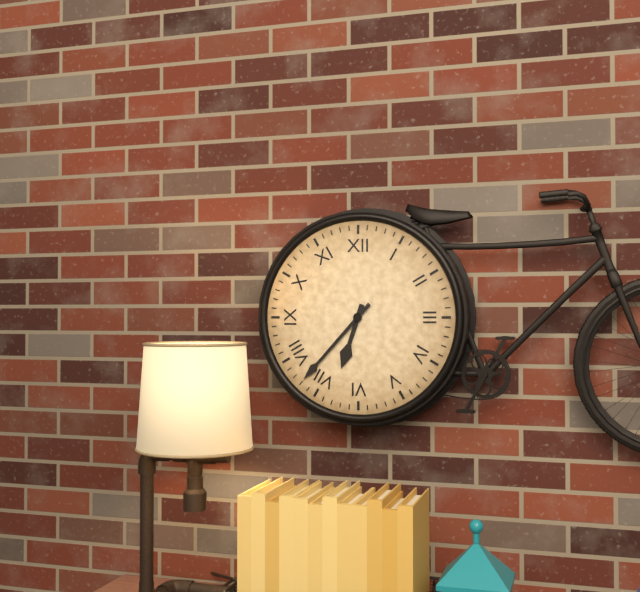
**6:37**
